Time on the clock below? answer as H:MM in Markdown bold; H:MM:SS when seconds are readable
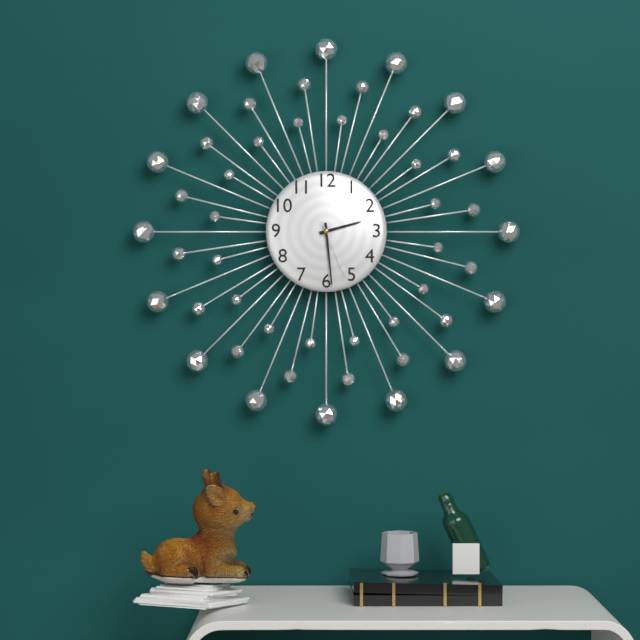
**2:29:26**
